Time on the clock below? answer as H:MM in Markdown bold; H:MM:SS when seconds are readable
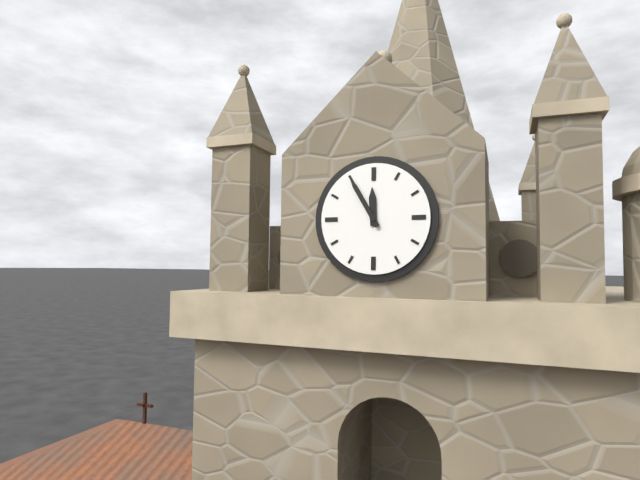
**11:55**
